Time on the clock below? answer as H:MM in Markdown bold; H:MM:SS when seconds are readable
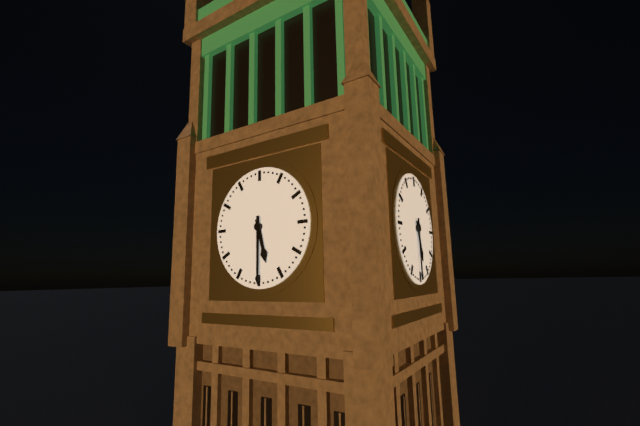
**5:30**
